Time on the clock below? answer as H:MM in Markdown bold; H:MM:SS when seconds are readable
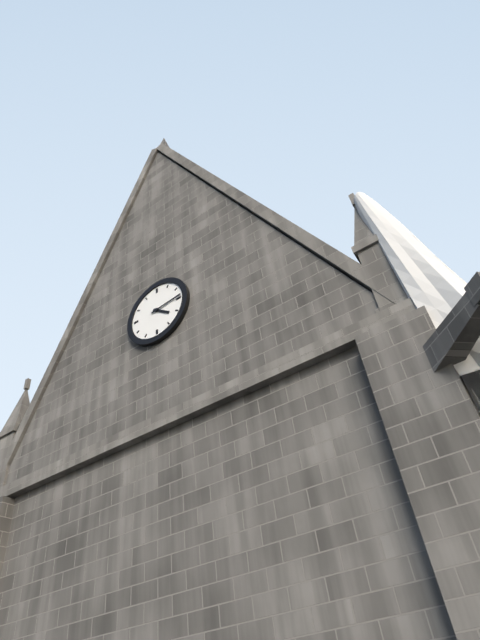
**4:14**
